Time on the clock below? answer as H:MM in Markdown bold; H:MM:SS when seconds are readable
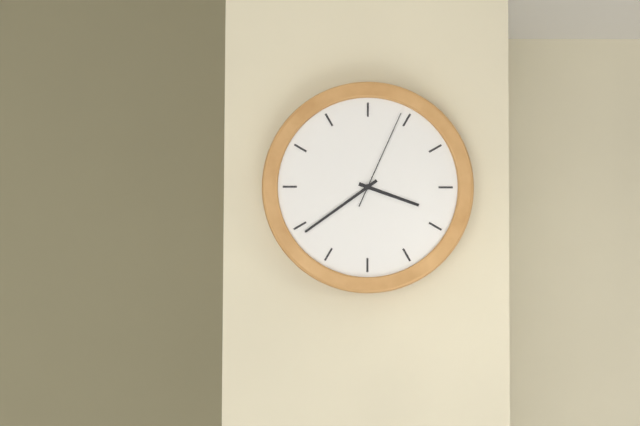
**3:39:04**
